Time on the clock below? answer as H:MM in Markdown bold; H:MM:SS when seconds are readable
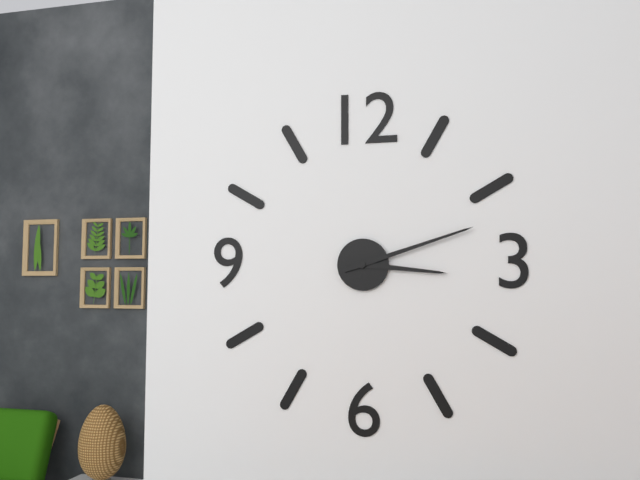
**3:12**
